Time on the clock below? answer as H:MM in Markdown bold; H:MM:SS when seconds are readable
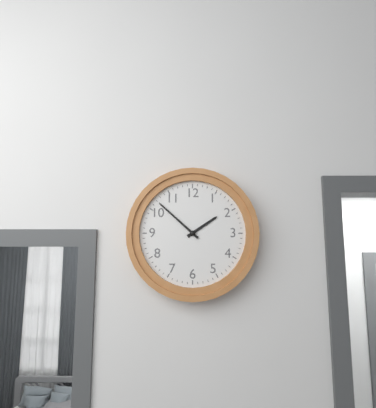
**1:52**
